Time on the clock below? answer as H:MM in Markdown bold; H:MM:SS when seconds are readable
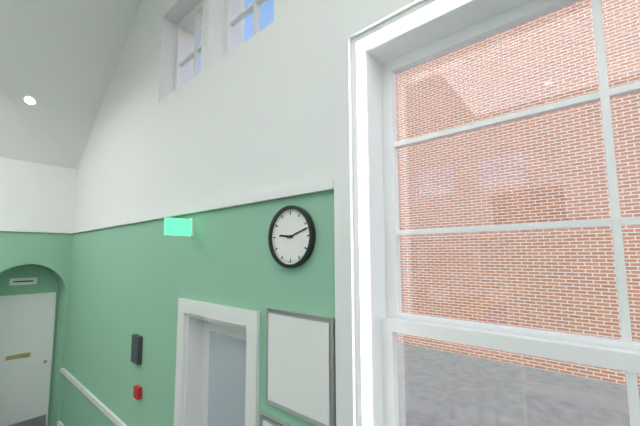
**9:12**
